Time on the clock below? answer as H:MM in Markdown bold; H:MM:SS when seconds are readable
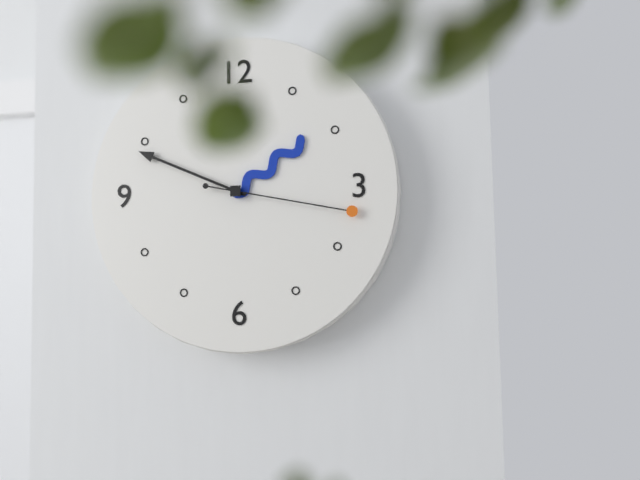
**1:49:17**
